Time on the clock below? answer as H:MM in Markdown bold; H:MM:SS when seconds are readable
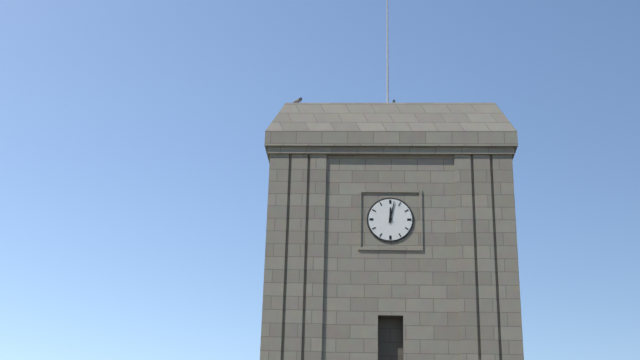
**12:02**
